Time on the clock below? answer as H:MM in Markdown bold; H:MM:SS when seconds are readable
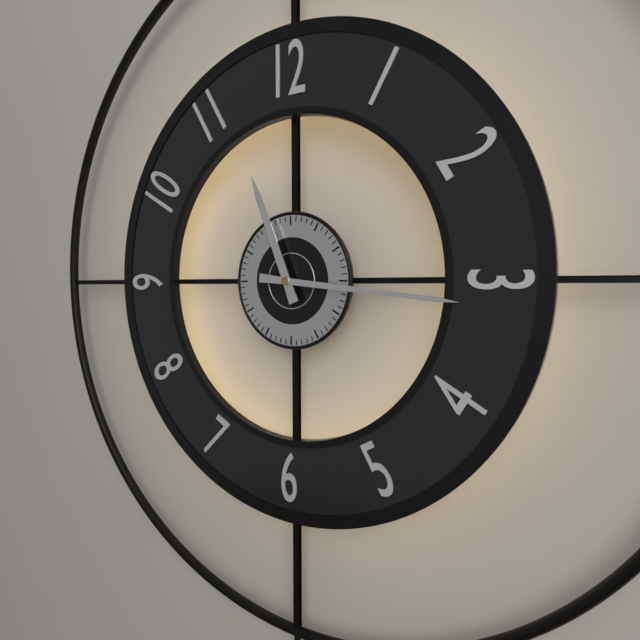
**11:16**
